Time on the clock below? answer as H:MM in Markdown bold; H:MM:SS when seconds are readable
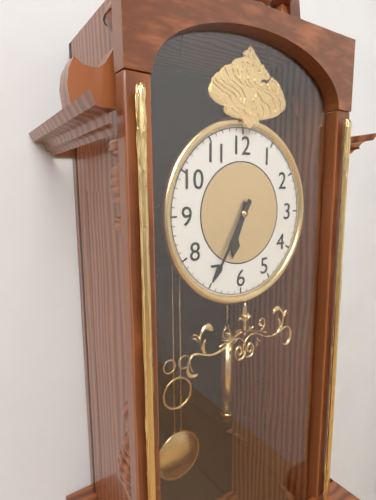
**6:35**
